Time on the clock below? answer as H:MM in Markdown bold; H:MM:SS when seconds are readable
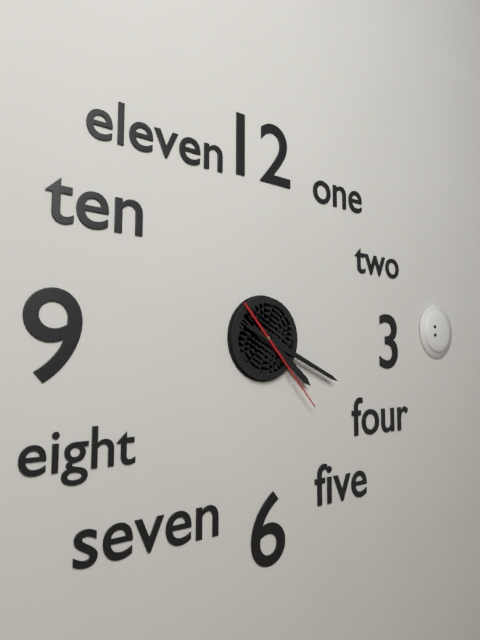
**4:19:23**
